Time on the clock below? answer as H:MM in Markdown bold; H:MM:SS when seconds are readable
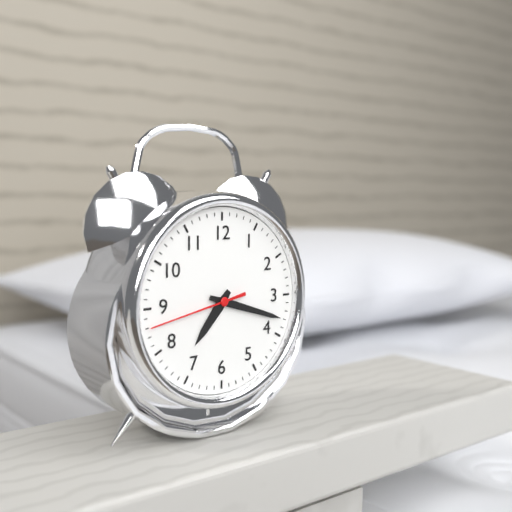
**7:18:43**
